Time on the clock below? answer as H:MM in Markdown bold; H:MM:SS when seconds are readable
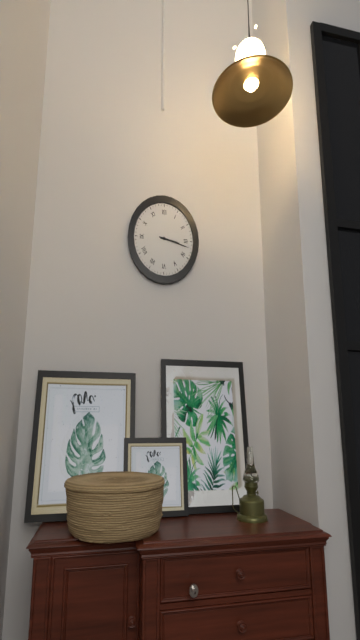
**3:17**
